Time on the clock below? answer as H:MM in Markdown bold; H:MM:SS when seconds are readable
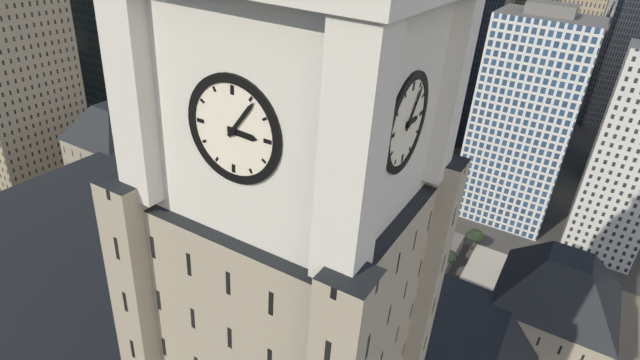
**3:06**
